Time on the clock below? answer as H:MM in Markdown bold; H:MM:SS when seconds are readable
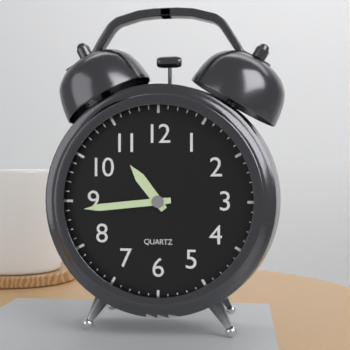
**10:44**
